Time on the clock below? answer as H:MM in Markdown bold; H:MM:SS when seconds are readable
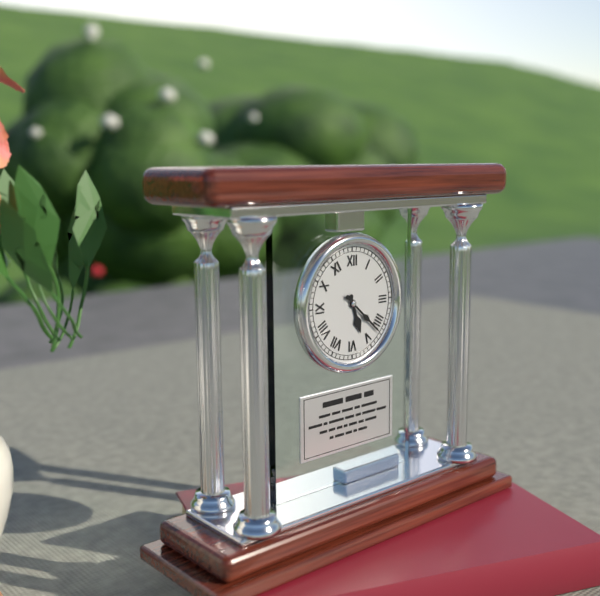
**5:22**
